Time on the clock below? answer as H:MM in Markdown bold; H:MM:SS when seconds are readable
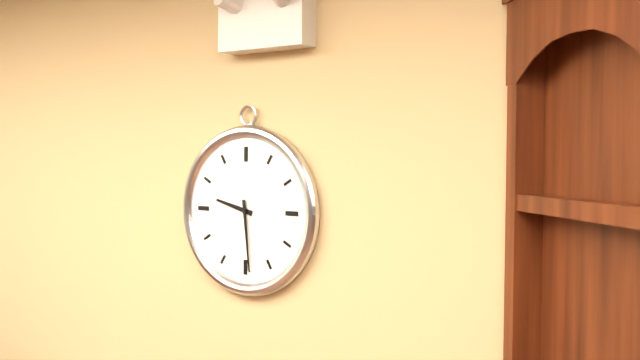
**9:29**
